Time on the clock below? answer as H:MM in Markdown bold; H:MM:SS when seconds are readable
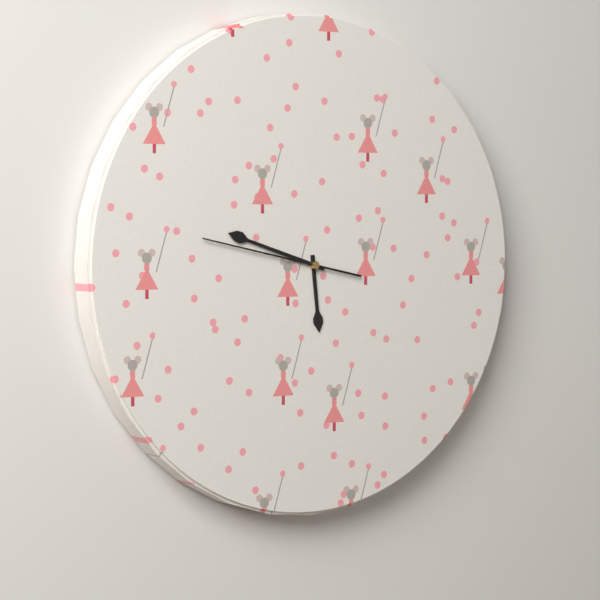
**5:48:47**
